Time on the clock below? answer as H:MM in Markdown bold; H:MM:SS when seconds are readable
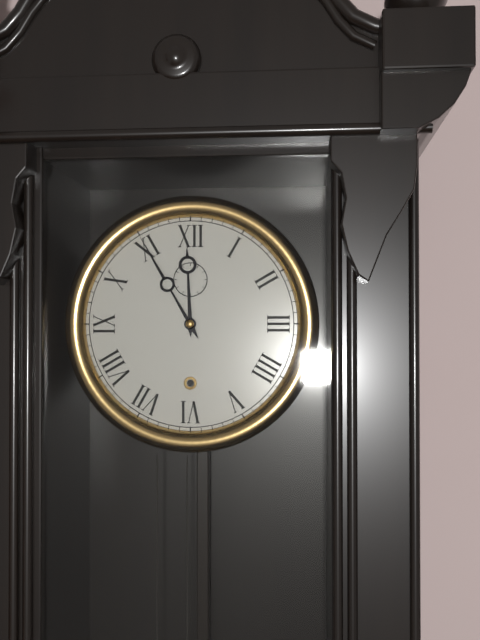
**11:55**
